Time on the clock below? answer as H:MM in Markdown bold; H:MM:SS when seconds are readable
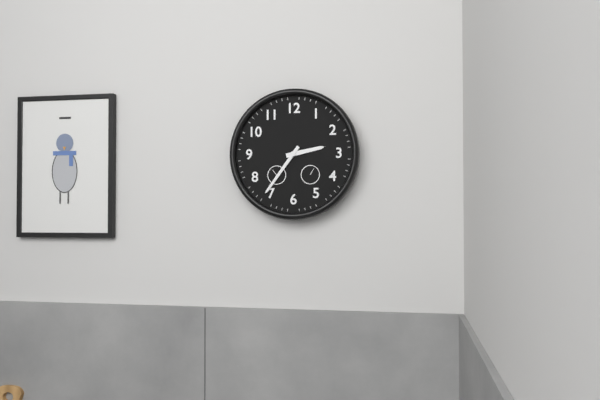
**2:36**
